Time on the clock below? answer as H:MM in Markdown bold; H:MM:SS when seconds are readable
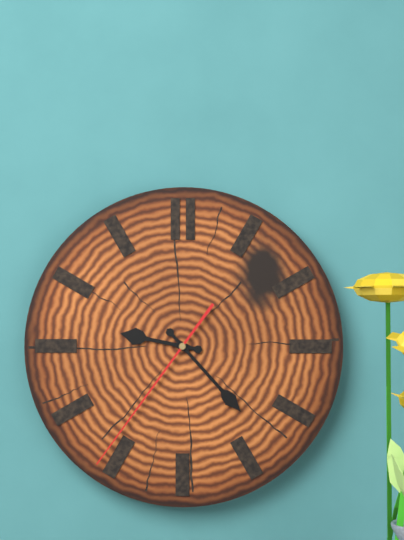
**9:23:36**
